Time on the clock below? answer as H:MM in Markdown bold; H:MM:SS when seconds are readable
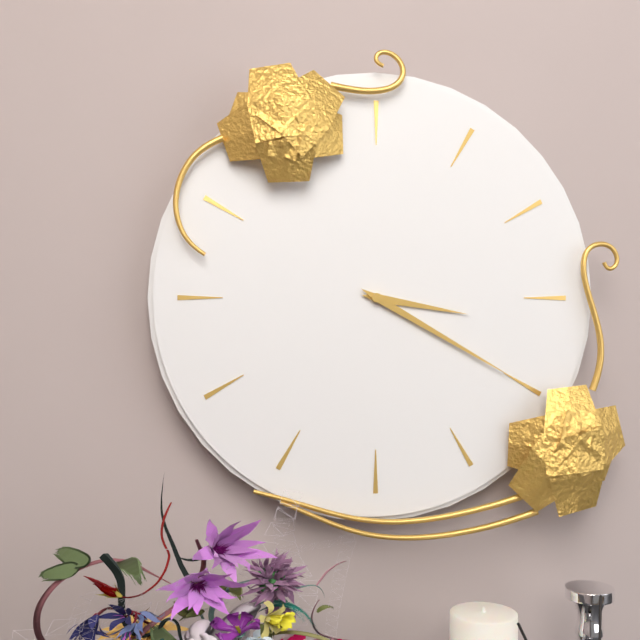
**3:20**
